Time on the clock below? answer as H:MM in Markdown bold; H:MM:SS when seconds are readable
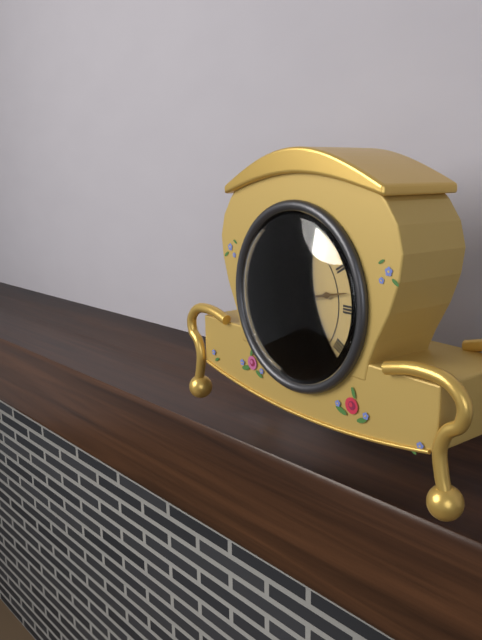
**9:13**
